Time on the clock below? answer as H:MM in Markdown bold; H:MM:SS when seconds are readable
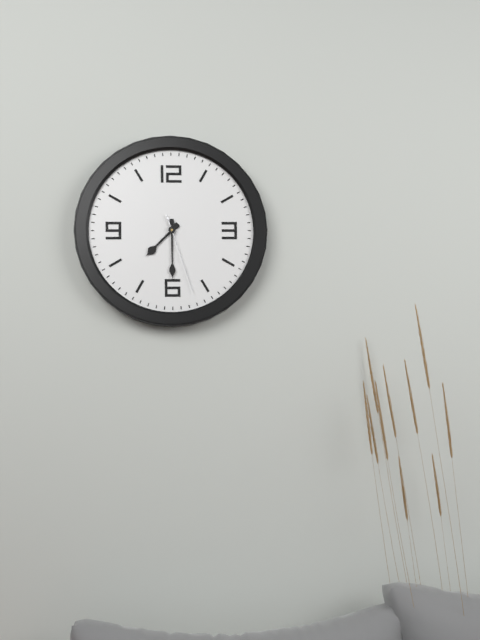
**7:30:27**
